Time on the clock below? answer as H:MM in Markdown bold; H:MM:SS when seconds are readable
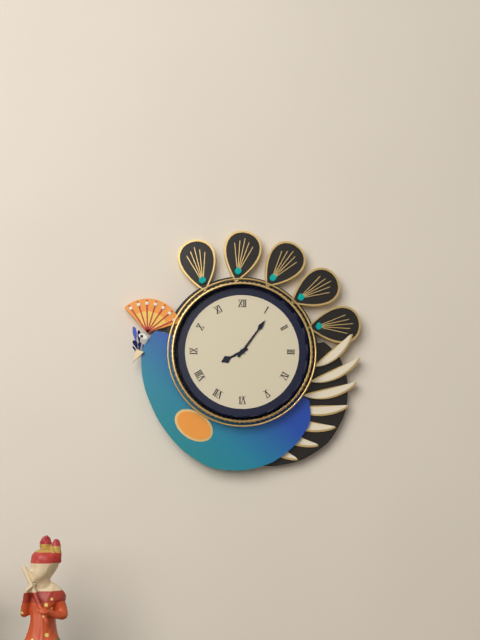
**8:06**
